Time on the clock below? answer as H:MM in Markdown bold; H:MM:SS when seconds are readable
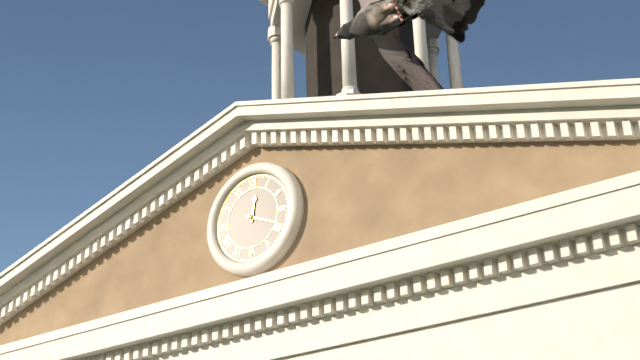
**12:19**
